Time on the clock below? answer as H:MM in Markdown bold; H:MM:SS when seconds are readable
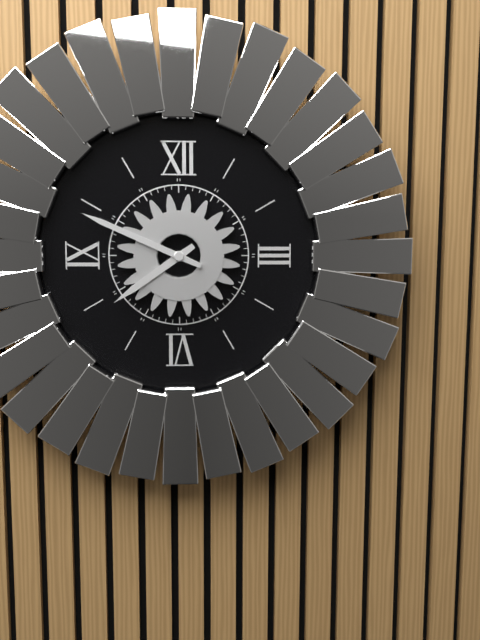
**7:49**
